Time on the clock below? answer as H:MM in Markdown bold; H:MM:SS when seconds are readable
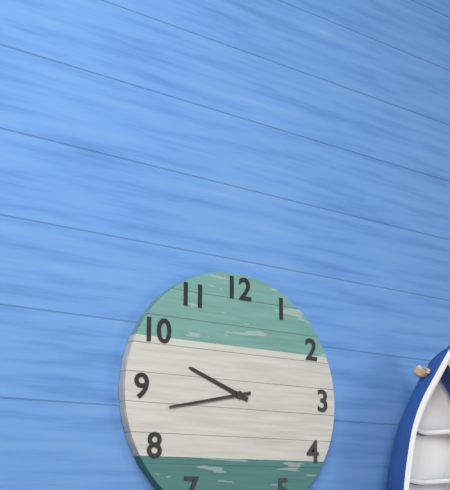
**9:43**
